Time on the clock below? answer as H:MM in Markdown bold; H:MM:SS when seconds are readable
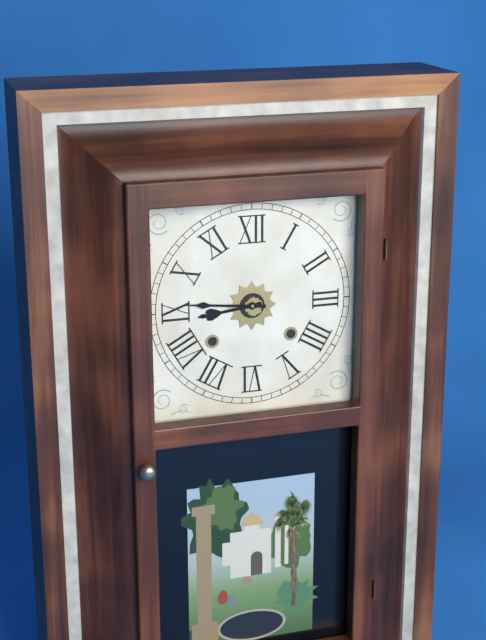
**8:46**
